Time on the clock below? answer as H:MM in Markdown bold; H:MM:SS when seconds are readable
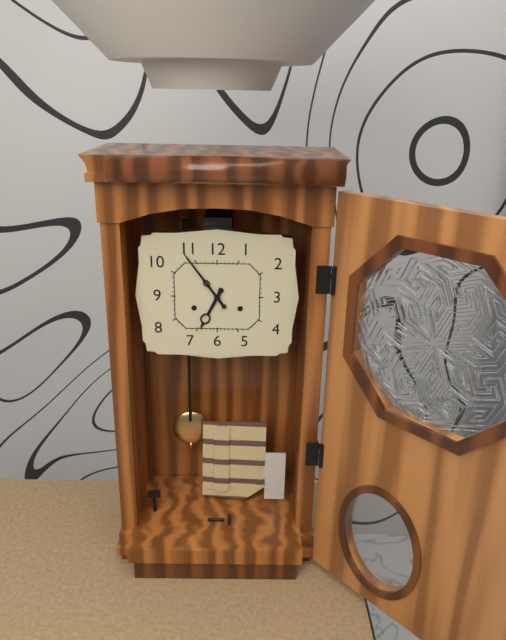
**6:54**
